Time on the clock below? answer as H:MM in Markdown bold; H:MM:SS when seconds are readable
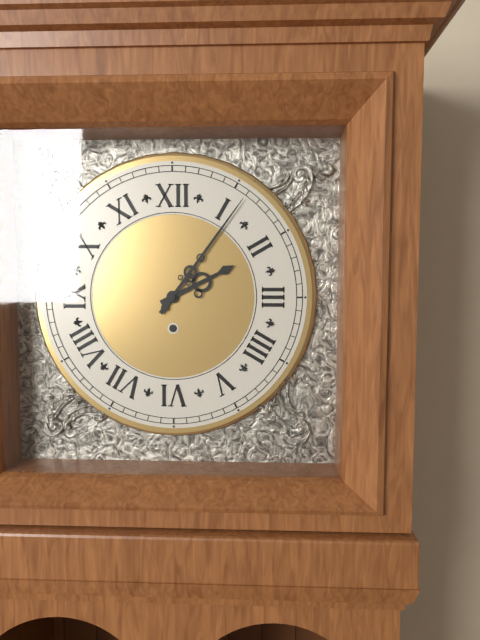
**2:06**
